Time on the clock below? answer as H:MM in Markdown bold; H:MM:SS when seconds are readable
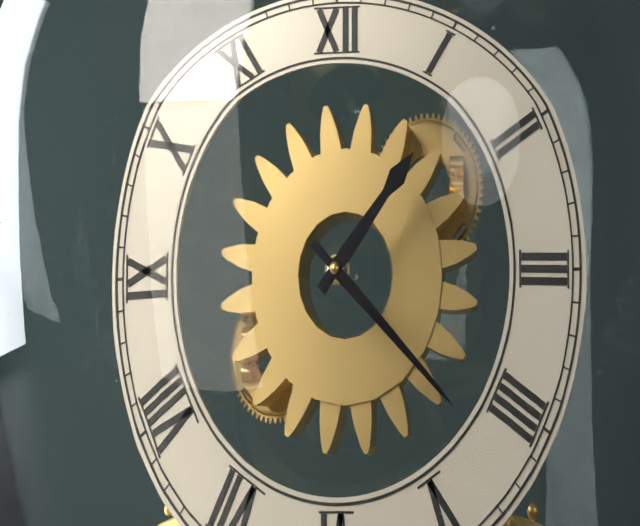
**1:22**
